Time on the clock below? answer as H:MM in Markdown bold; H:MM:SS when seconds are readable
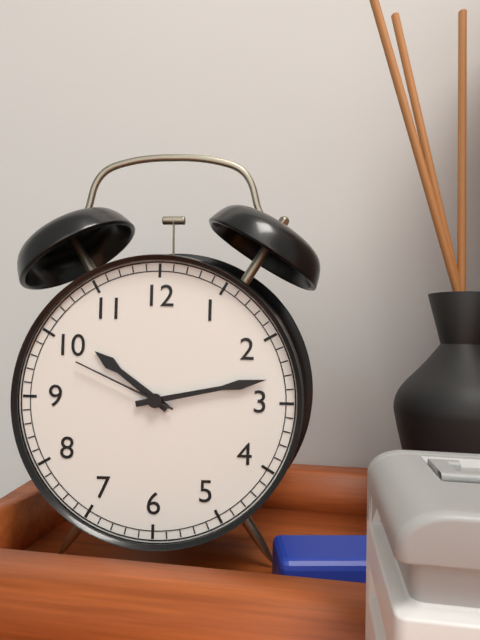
**10:13:49**
